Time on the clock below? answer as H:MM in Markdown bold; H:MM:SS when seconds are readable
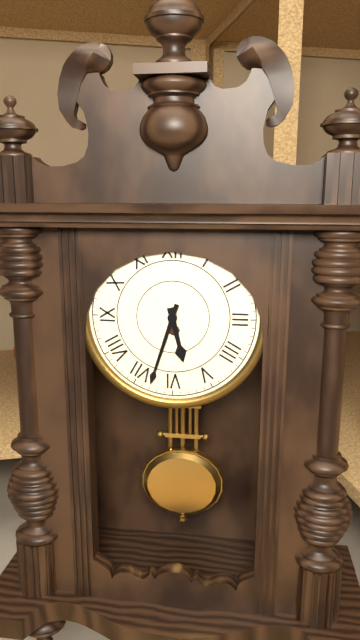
**5:33**
